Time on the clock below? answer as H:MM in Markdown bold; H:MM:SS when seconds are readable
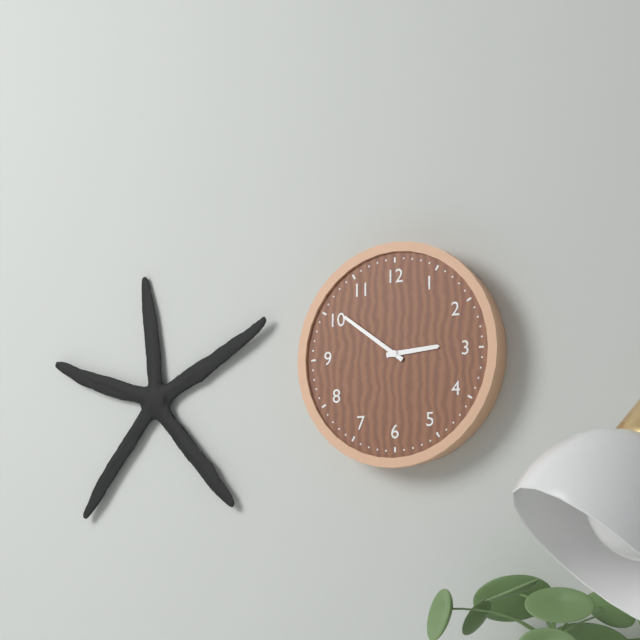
**2:51**
